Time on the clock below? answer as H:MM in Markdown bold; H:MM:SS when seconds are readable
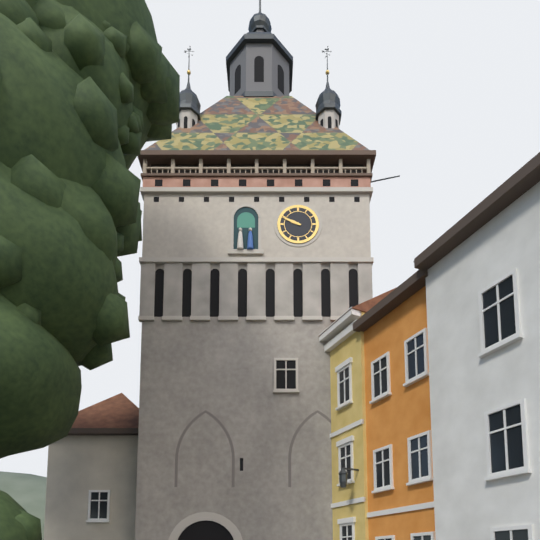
**9:49**
